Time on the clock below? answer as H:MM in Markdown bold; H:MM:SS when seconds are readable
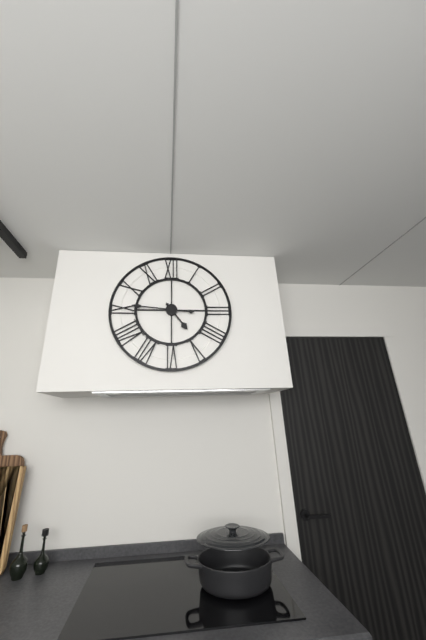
**4:46**
